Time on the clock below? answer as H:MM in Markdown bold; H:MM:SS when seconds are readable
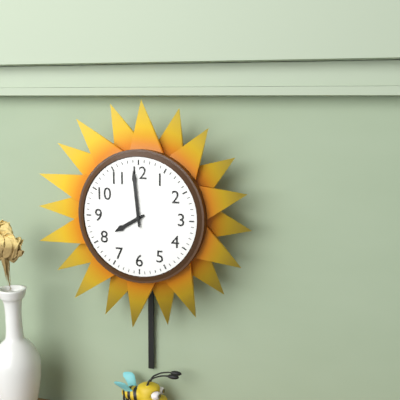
**7:59**
